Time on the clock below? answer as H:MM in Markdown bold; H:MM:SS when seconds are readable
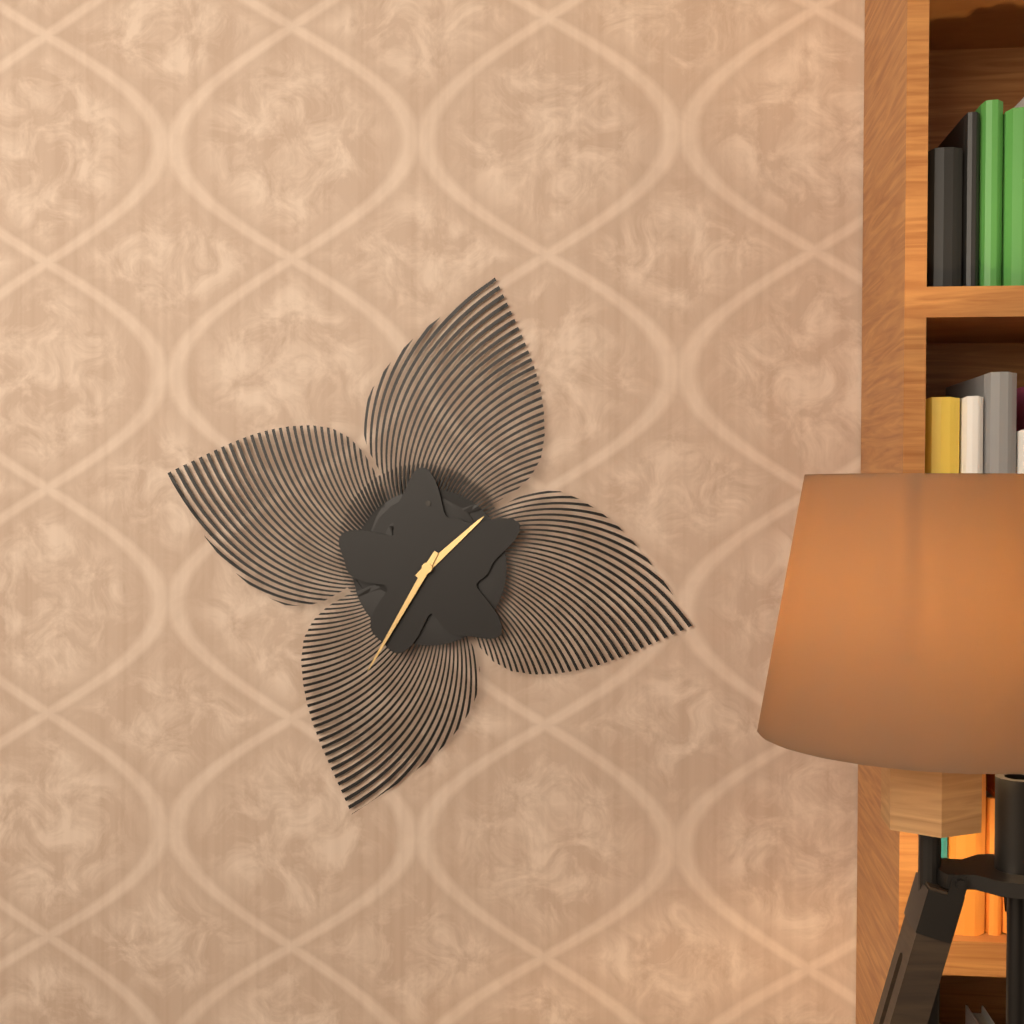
**1:35**
